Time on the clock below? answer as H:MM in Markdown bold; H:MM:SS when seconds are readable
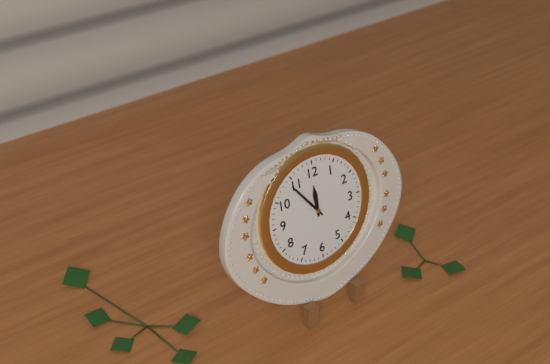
**11:54**
